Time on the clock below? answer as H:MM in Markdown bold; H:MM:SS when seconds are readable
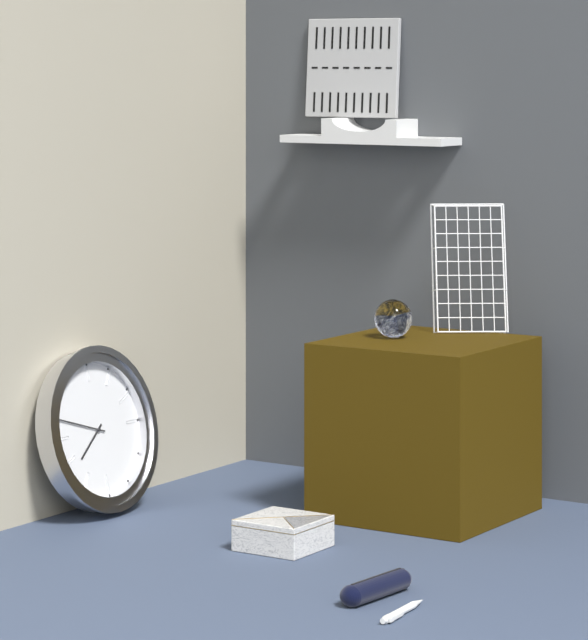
**7:48**
